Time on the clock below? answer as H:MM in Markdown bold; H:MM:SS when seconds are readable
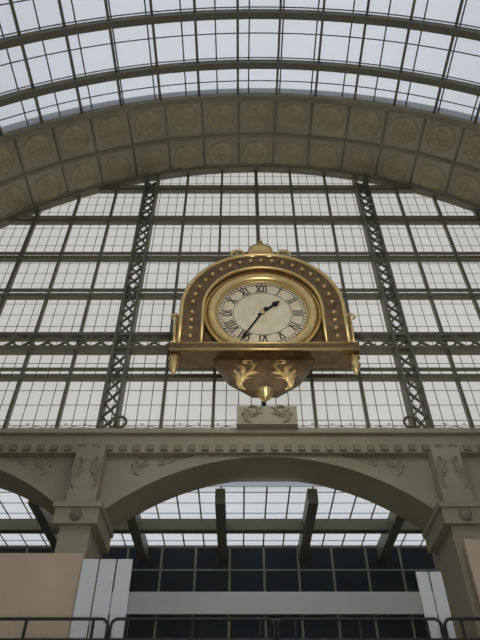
**1:35**
